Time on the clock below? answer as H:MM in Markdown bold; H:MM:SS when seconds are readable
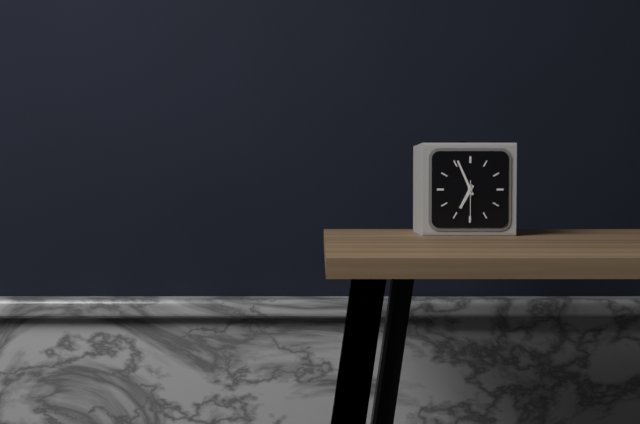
**6:56**
